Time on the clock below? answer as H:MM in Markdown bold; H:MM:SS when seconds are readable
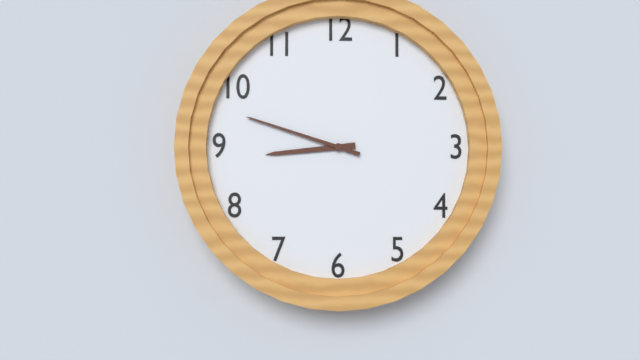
**8:48**
